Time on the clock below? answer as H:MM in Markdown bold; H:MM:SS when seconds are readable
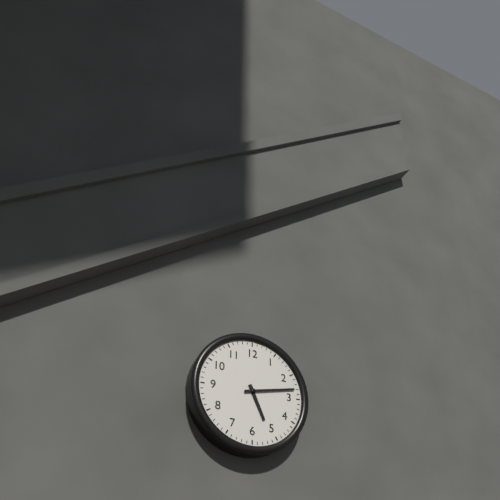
**5:13**
